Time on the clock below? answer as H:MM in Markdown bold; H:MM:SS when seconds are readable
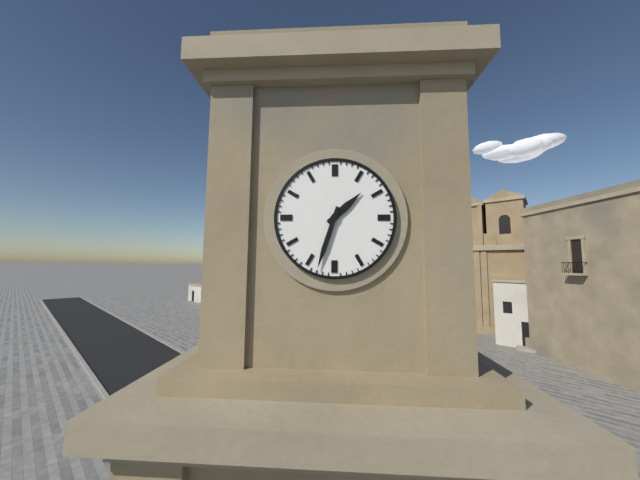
**1:33**
